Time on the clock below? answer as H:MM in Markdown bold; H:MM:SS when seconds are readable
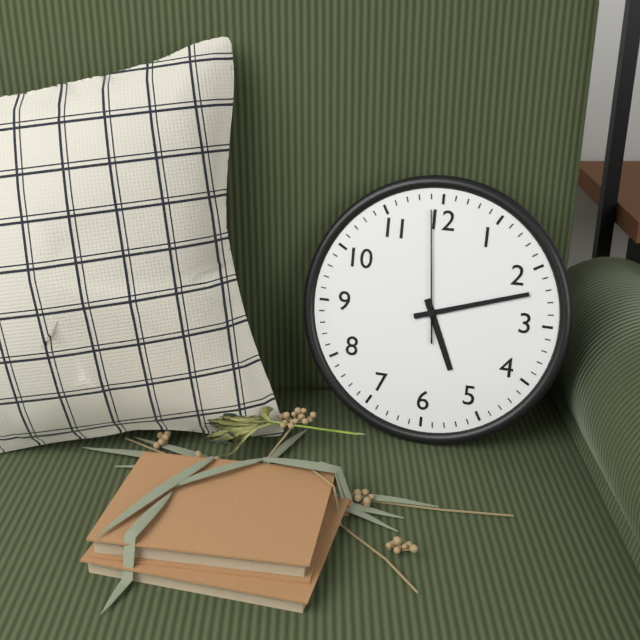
**5:12:59**
